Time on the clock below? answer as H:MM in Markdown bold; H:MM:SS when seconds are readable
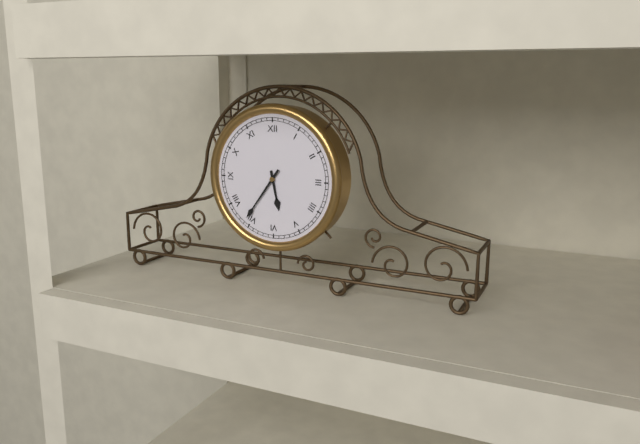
**5:36**
